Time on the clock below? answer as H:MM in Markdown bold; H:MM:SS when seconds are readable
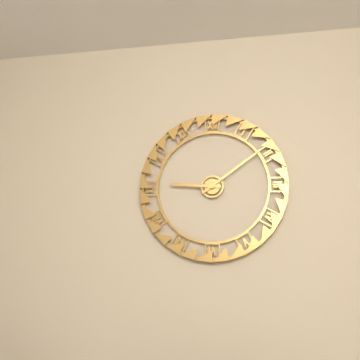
**9:09**
